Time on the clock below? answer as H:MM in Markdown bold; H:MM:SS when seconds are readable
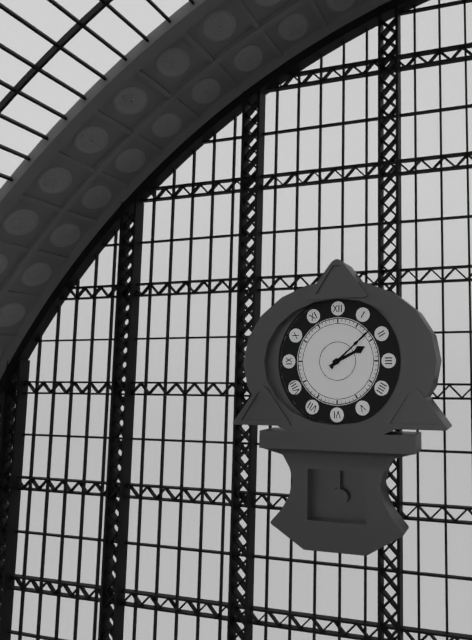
**2:08**
